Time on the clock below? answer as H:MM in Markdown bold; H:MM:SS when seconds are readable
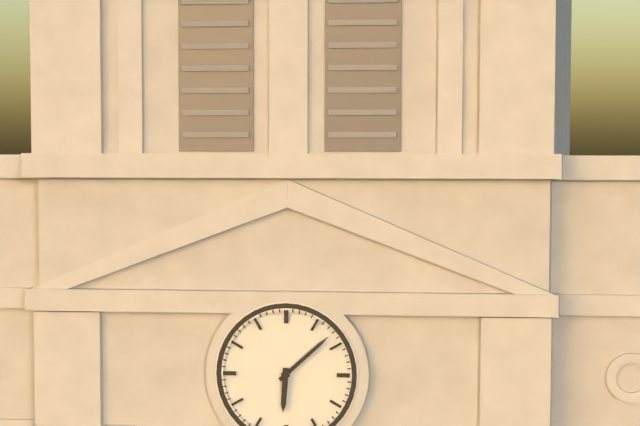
**6:08**
